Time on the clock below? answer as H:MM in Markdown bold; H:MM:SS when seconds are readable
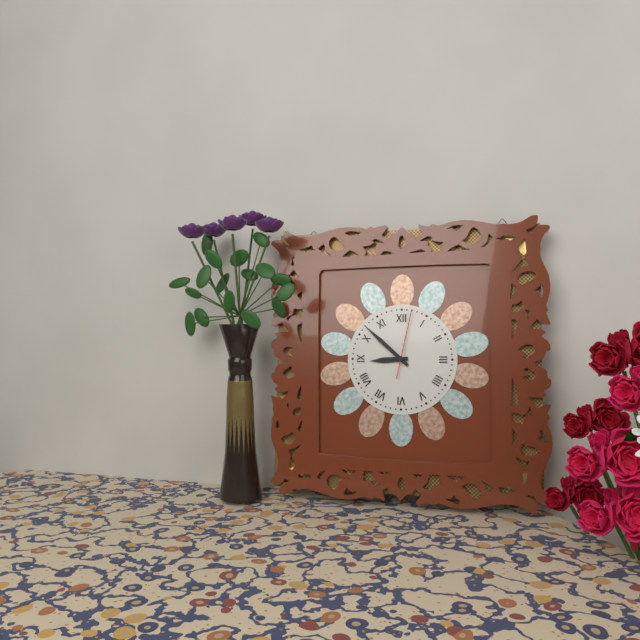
**8:52:02**
